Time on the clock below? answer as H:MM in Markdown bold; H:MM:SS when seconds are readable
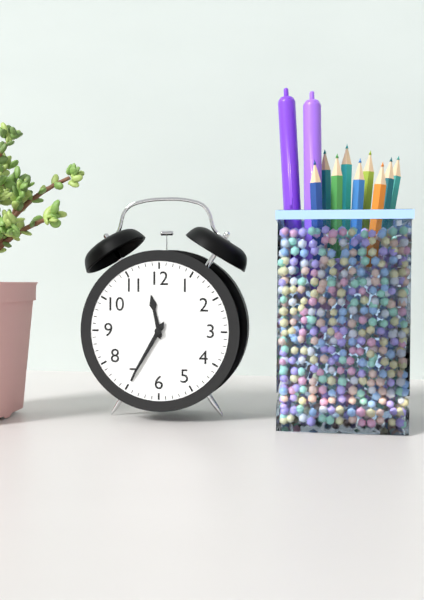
**11:35**
